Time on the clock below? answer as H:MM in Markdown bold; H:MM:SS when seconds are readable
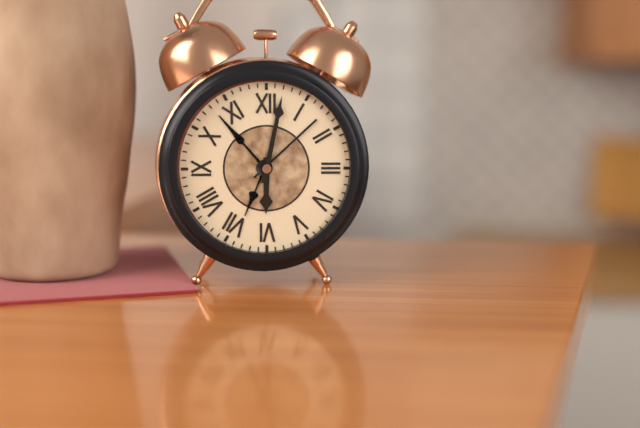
**6:02**
